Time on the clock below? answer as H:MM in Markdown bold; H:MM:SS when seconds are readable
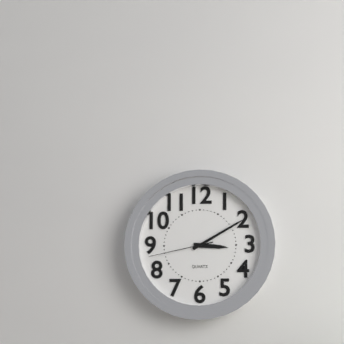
**3:10:43**
